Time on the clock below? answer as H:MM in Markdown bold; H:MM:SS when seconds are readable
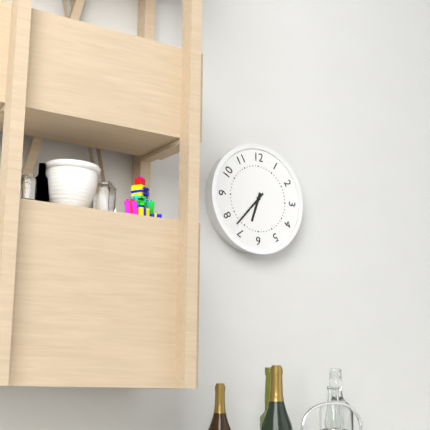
**6:37**
